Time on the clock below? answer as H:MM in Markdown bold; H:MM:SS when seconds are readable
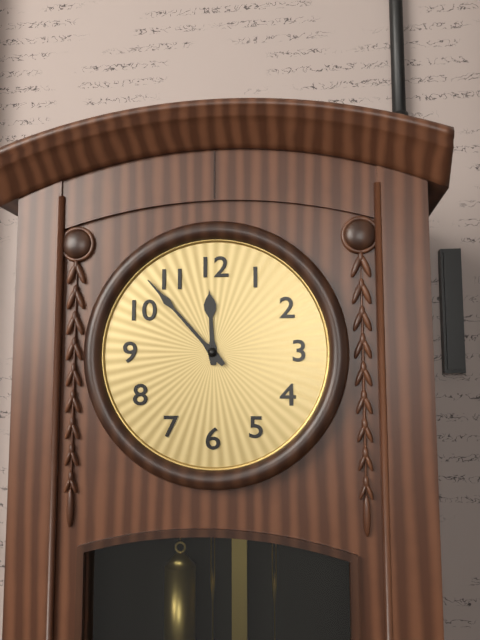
**11:53**
